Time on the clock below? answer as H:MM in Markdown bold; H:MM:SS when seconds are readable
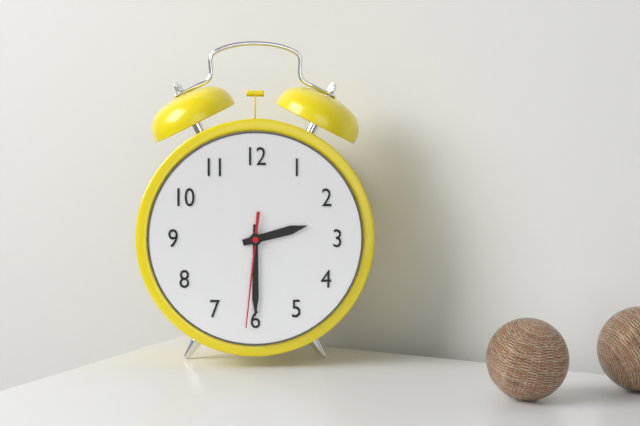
**2:30:31**
